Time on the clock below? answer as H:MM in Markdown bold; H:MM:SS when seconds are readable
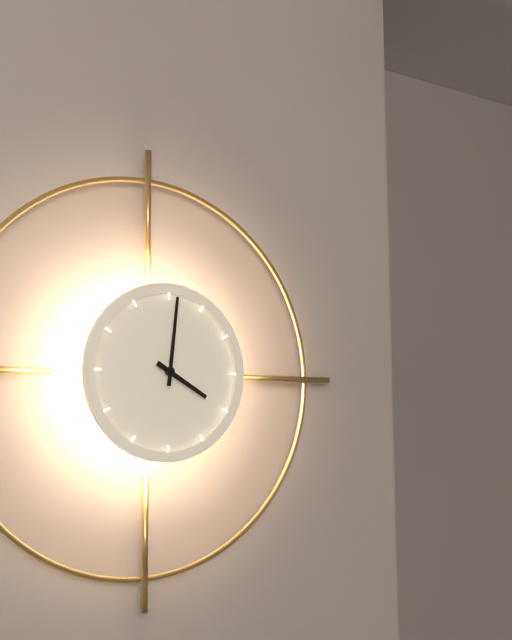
**4:01**
